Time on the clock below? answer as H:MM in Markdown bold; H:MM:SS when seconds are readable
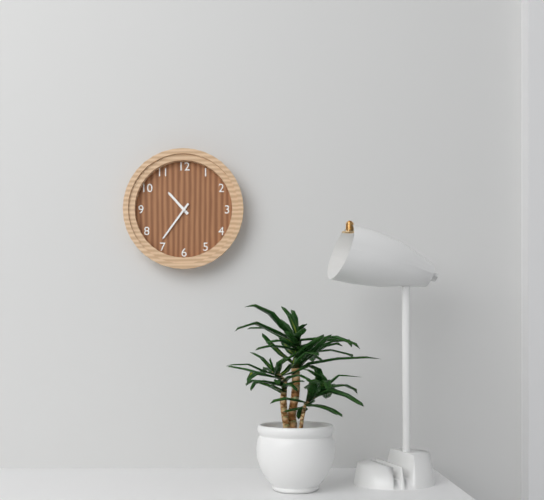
**10:36**
